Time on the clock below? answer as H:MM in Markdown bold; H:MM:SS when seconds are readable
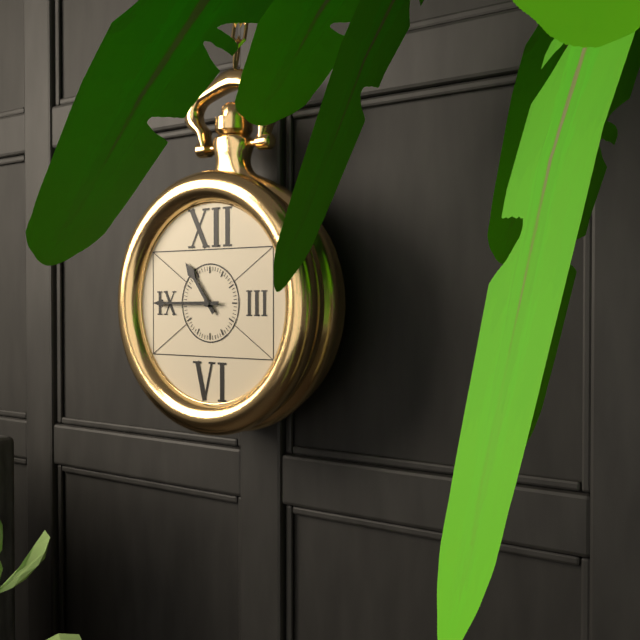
**10:45**
